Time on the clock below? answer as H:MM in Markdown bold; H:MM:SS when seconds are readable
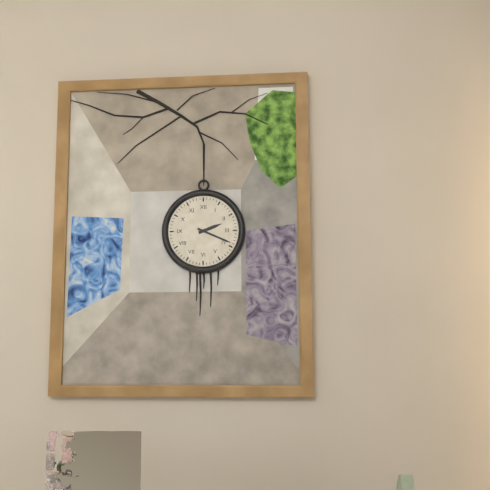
**2:19**
